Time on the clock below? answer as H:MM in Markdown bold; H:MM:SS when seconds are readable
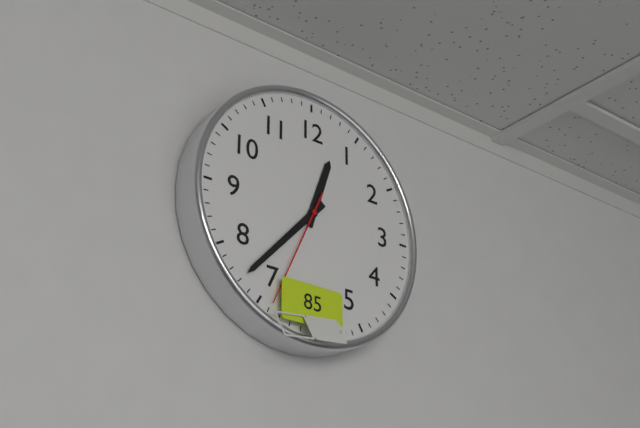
**12:37:34**
